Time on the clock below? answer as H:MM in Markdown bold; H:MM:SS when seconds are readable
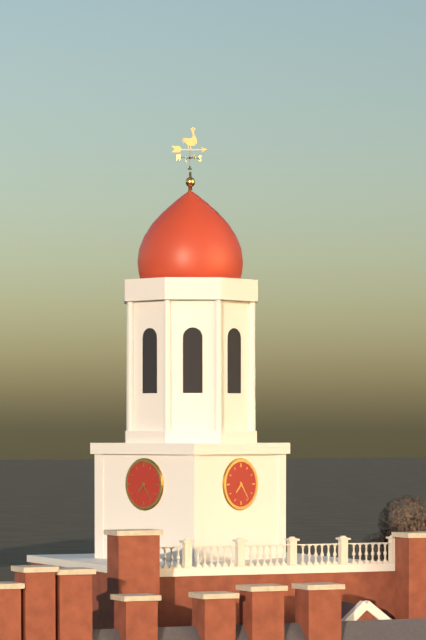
**7:24**
